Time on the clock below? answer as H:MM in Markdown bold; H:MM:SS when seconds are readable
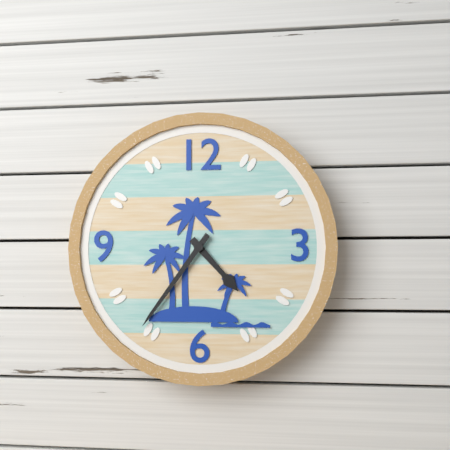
**4:36**
